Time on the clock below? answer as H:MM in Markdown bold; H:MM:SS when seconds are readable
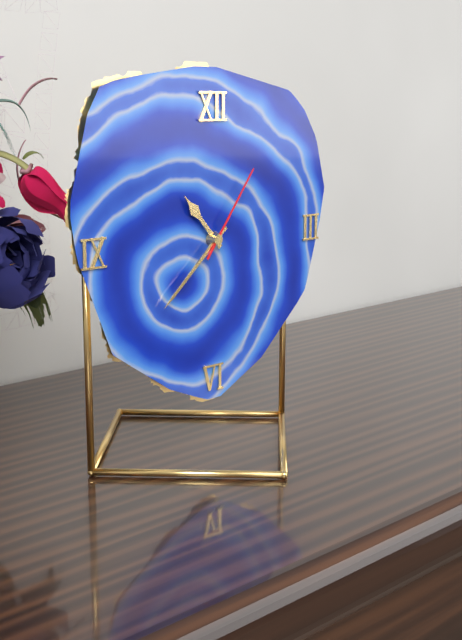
**10:38:06**
